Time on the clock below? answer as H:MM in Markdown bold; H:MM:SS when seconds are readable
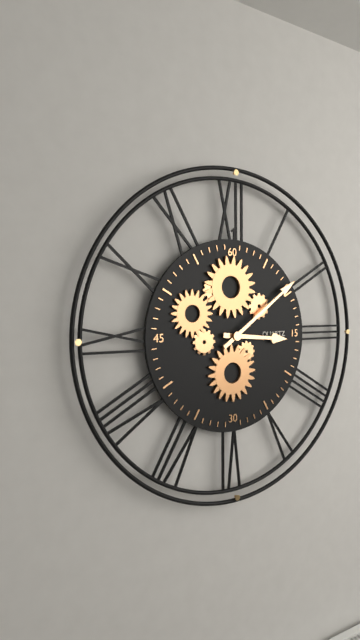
**3:09**
